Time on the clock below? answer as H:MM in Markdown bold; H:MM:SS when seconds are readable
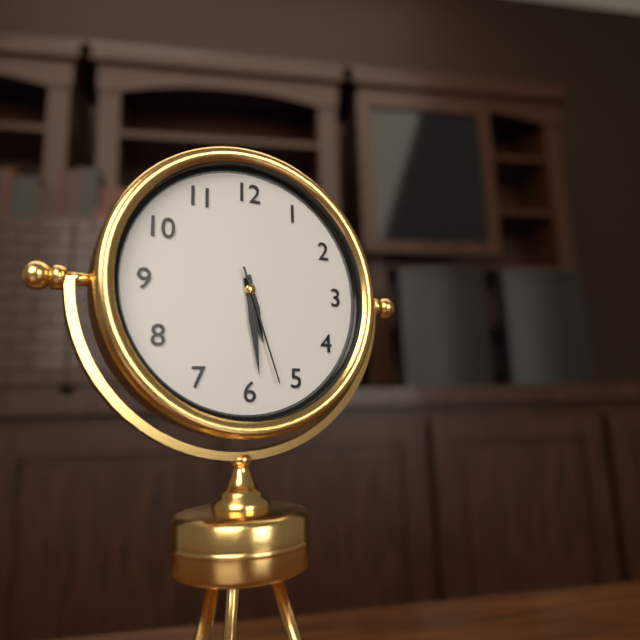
**5:29:27**
